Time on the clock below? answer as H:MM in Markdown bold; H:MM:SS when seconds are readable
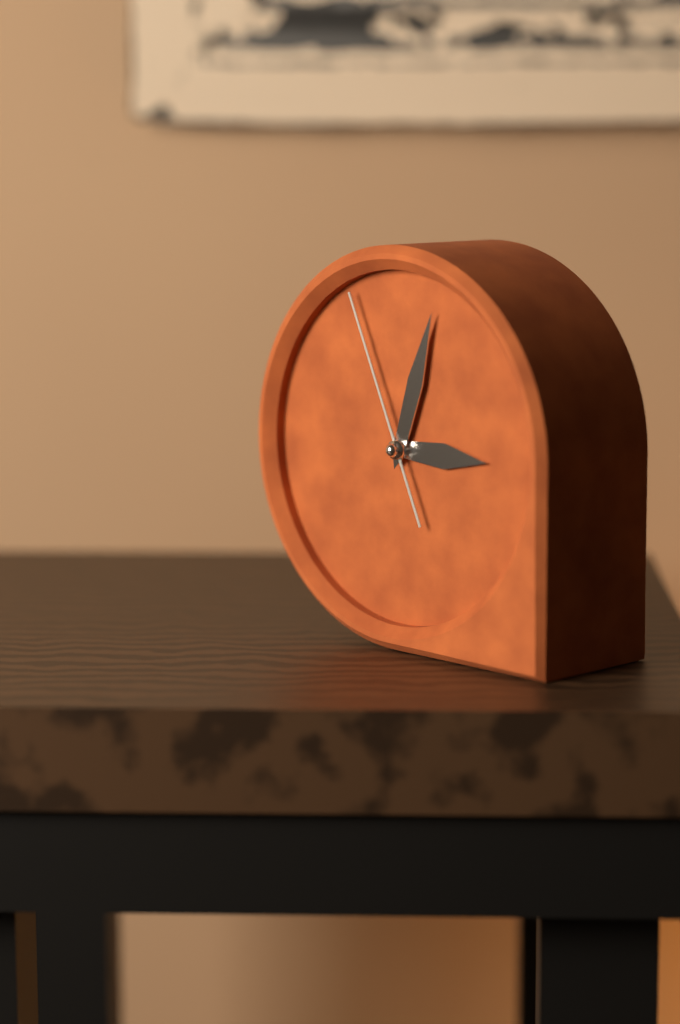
**3:03:56**
